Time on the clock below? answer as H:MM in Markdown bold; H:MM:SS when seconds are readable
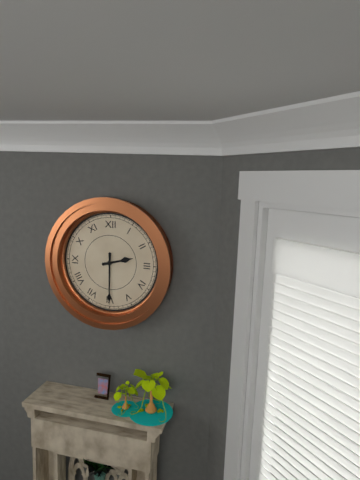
**2:30**
